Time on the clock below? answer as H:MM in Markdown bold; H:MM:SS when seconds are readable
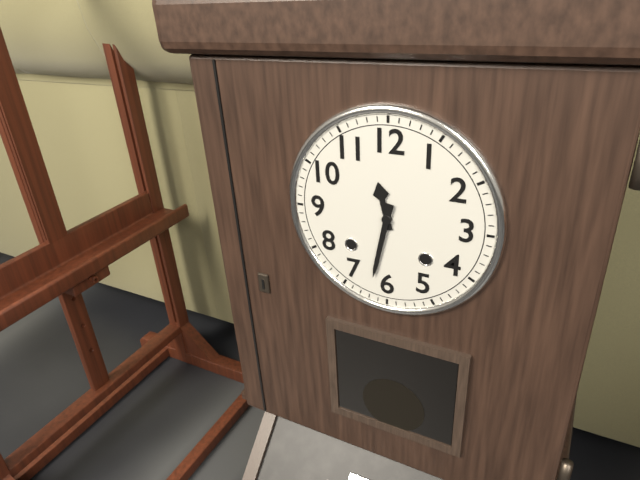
**11:32**
